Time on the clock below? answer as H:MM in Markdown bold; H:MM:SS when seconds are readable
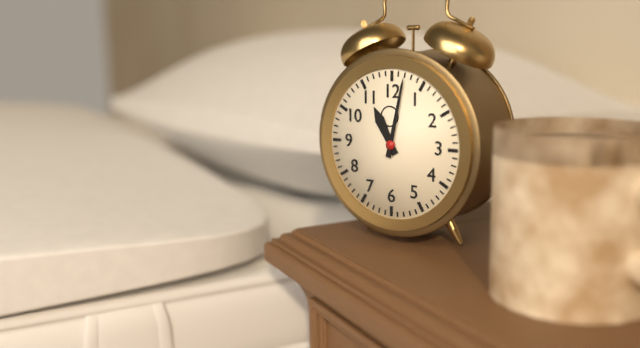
**11:02**
